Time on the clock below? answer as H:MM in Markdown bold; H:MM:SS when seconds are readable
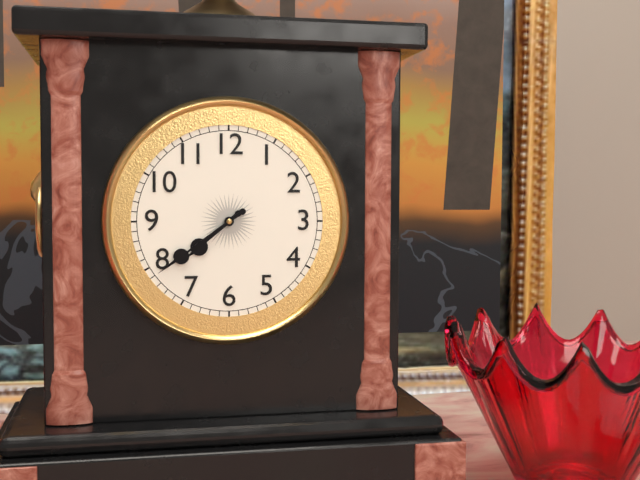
**7:39**
